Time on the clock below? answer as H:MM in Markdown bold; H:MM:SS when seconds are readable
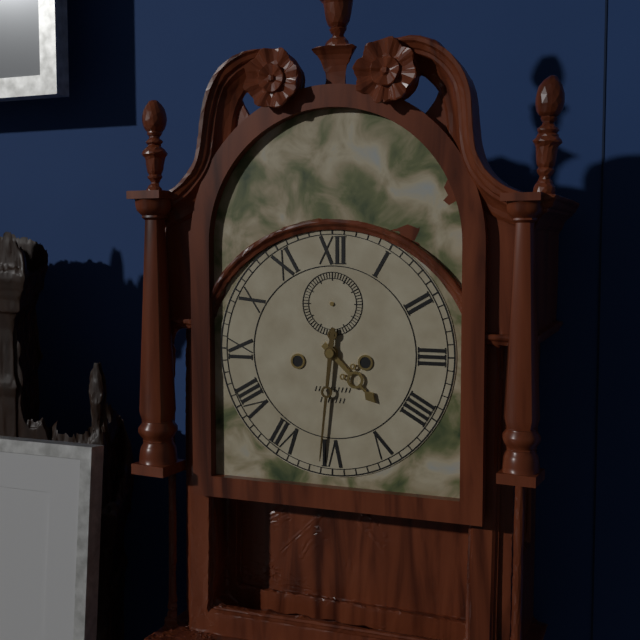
**4:31**
